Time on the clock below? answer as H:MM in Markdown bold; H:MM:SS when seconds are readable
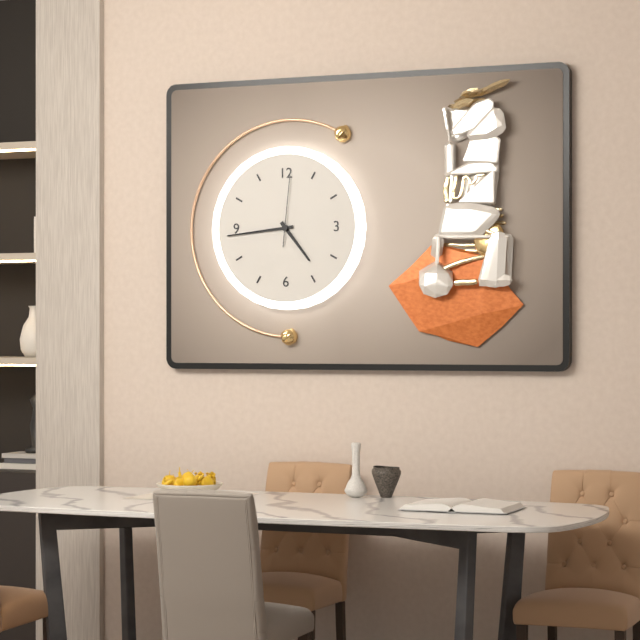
**4:44:01**
